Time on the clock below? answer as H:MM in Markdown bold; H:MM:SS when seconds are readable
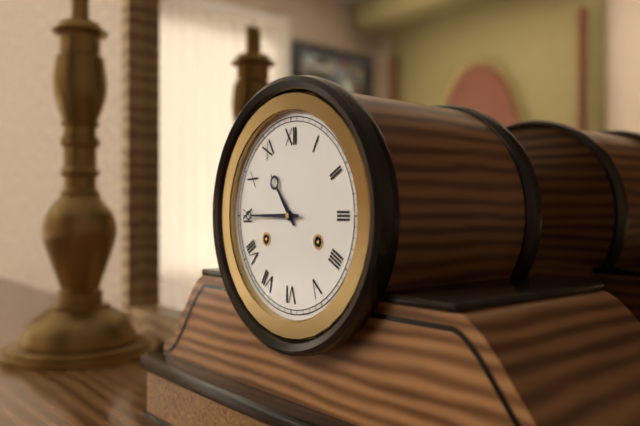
**10:45**
